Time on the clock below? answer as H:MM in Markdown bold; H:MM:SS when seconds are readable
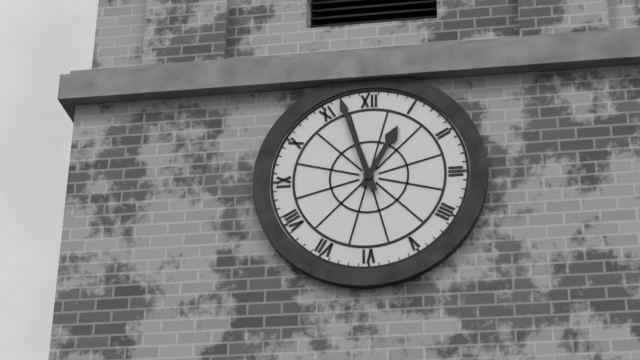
**12:57**
